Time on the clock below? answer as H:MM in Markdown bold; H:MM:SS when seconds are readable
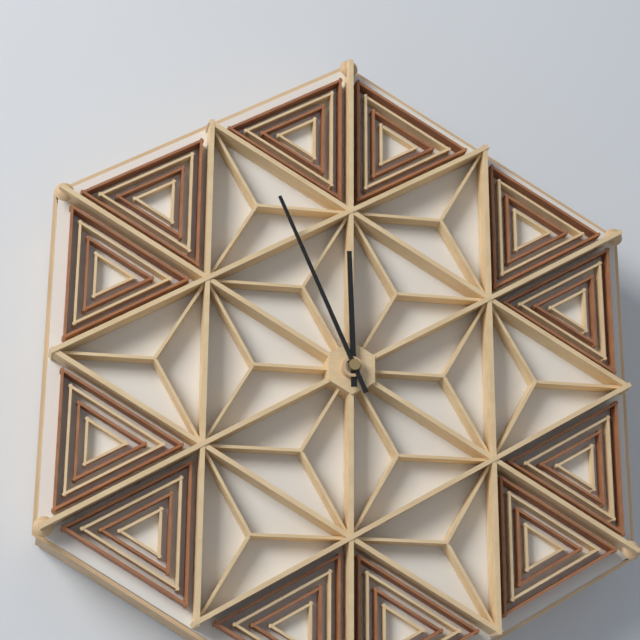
**11:56**
